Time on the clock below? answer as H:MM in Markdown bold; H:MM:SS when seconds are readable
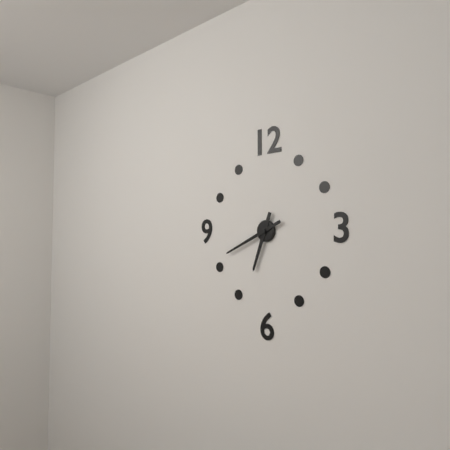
**6:41**
